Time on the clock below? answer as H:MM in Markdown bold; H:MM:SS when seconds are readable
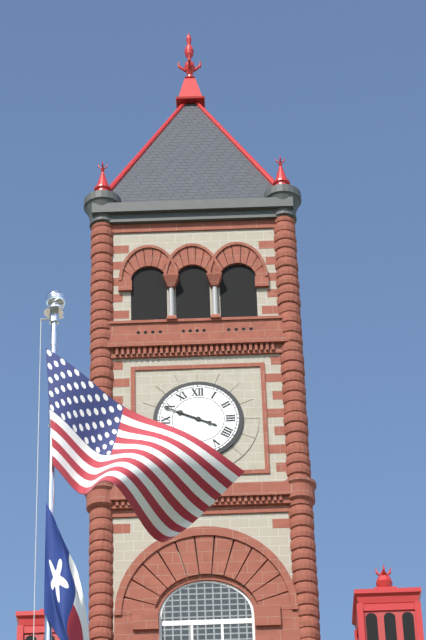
**9:49**
